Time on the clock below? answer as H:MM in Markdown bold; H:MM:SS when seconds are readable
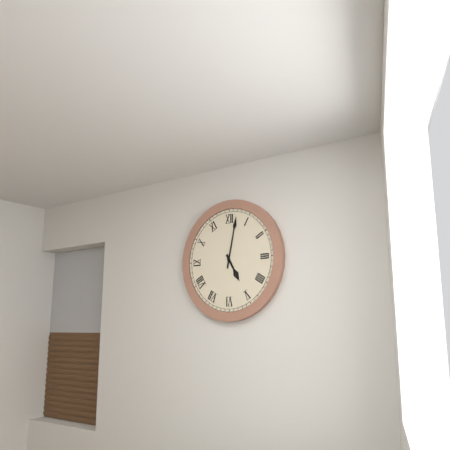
**5:02**
